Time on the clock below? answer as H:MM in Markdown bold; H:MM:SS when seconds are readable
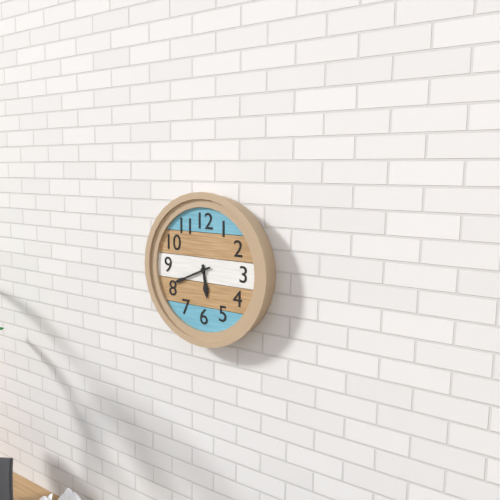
**5:41**
